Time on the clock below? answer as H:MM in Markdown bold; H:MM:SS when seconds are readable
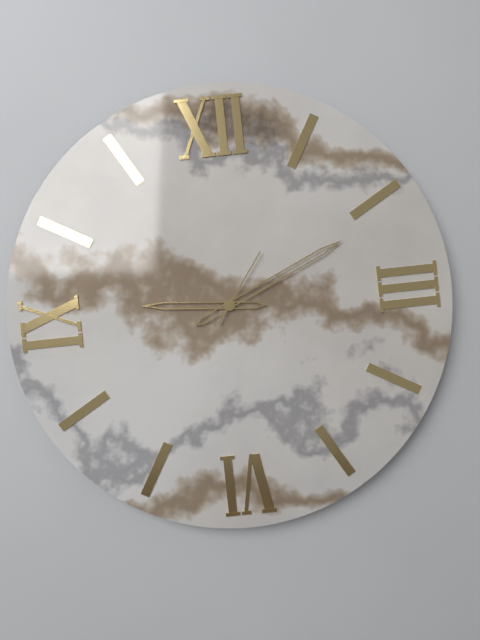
**9:11:06**
